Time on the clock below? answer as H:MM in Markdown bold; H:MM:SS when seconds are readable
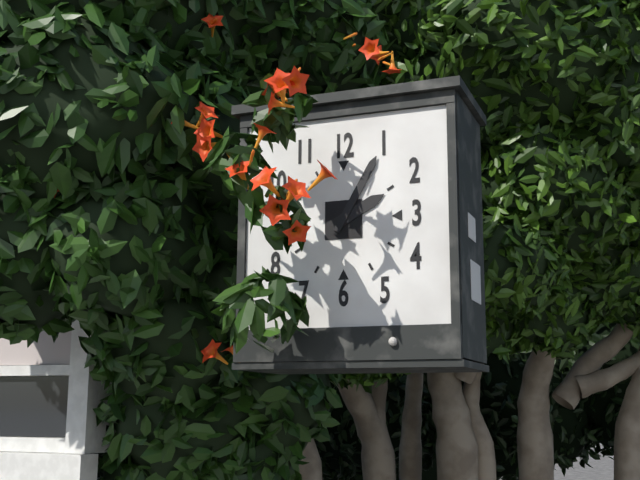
**2:05**
